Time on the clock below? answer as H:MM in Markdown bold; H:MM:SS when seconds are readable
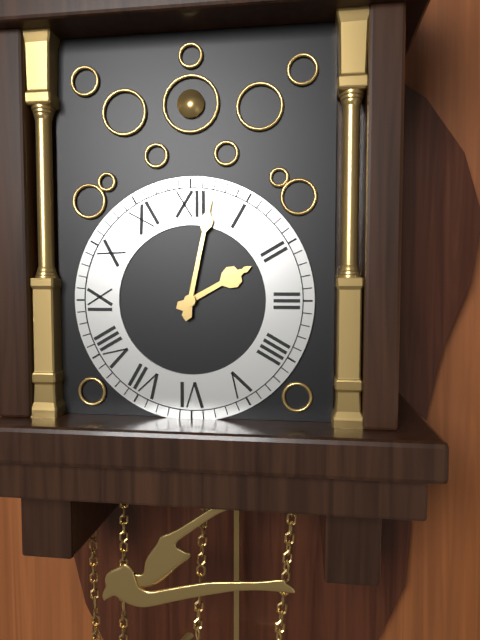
**2:02**
